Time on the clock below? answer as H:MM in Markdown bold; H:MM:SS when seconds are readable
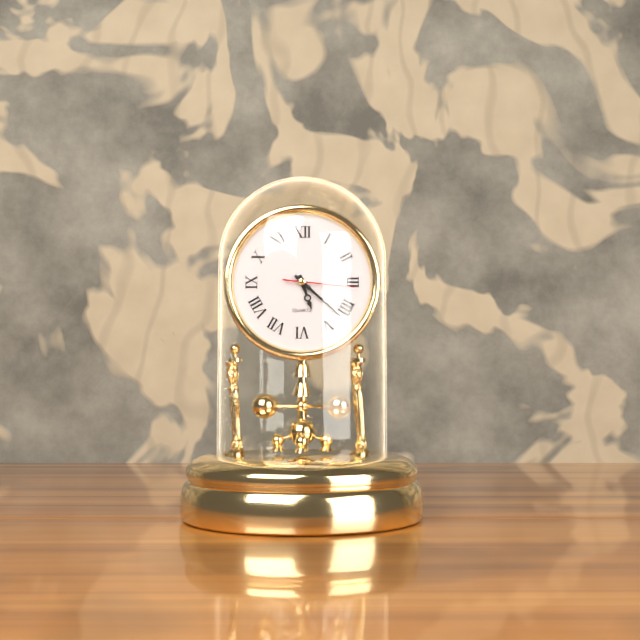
**5:22:16**
